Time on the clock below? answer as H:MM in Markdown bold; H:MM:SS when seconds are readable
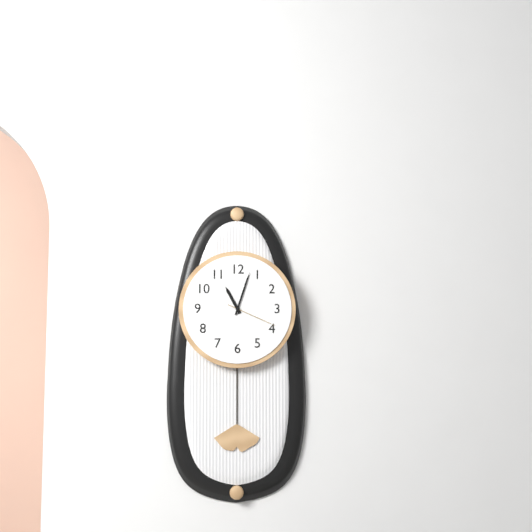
**11:03:19**
